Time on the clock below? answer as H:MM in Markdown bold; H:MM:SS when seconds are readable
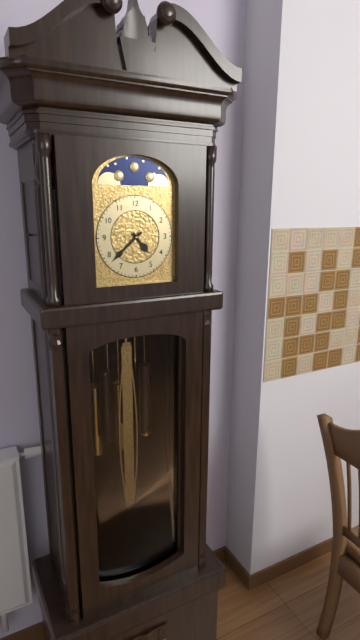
**4:38**
